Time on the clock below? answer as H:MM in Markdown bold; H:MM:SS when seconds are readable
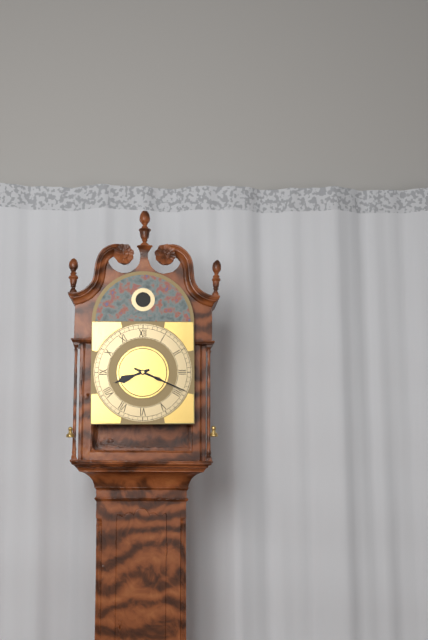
**8:19**
